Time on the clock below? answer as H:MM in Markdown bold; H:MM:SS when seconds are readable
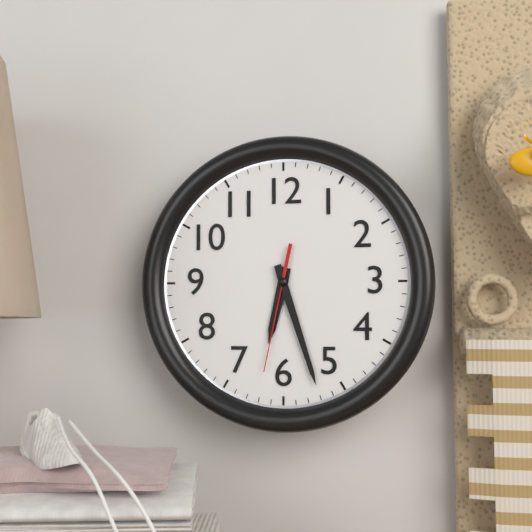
**6:27:32**
